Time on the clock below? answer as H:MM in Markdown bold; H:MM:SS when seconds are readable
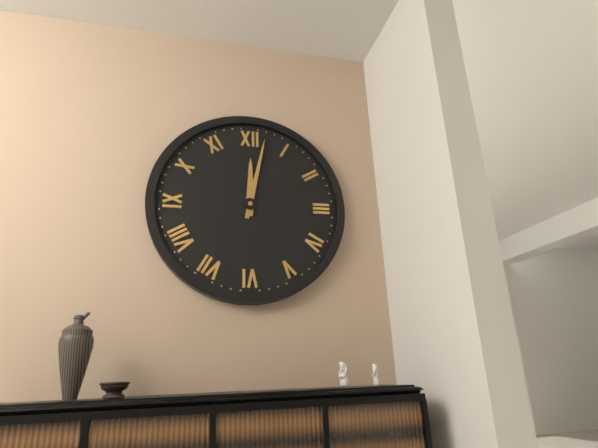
**12:02**
